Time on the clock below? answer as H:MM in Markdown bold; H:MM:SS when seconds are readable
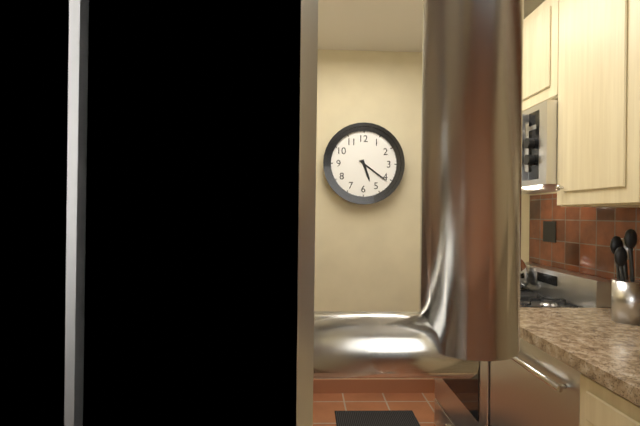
**5:21**
